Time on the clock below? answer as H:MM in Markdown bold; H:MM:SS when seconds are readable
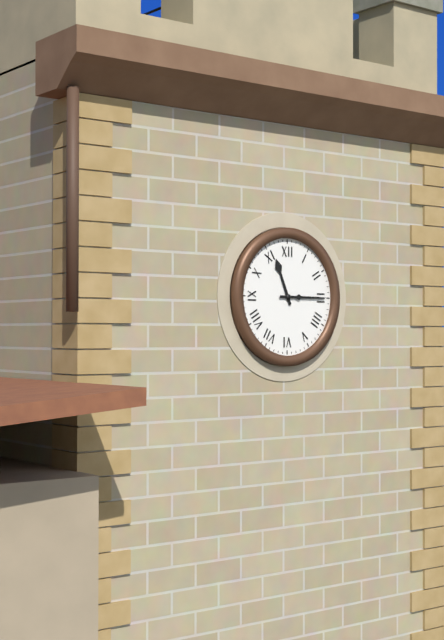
**11:15**
